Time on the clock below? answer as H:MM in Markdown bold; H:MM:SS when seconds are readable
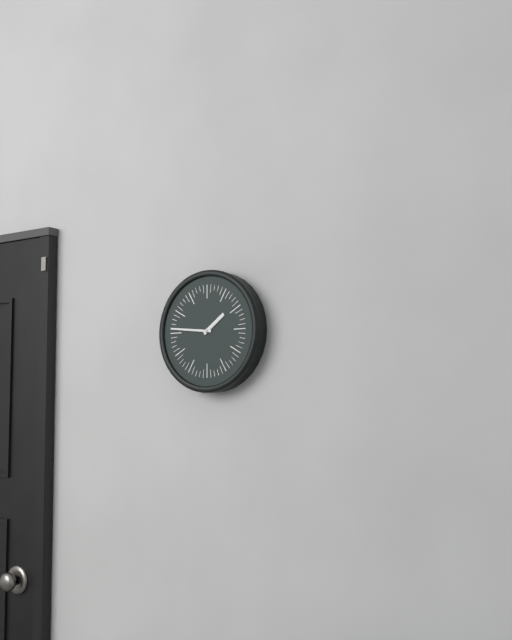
**1:46**
